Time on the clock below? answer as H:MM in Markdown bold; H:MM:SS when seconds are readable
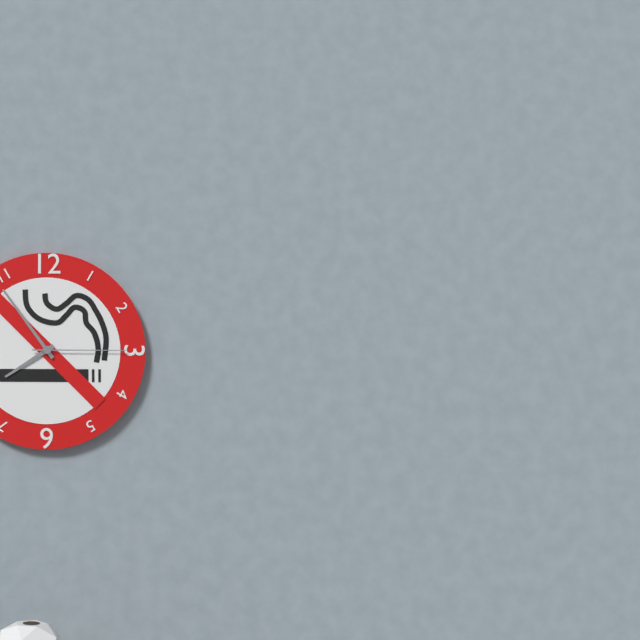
**7:54:15**
